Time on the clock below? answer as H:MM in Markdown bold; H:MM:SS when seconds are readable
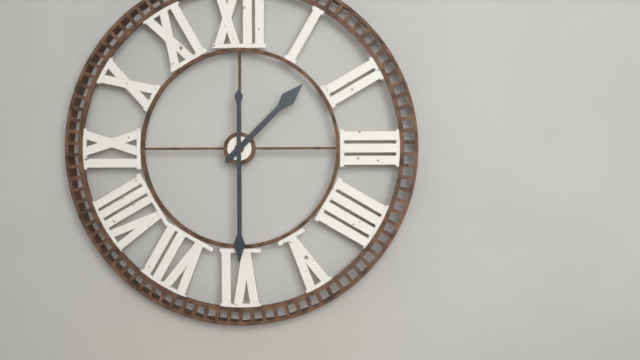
**1:30**
